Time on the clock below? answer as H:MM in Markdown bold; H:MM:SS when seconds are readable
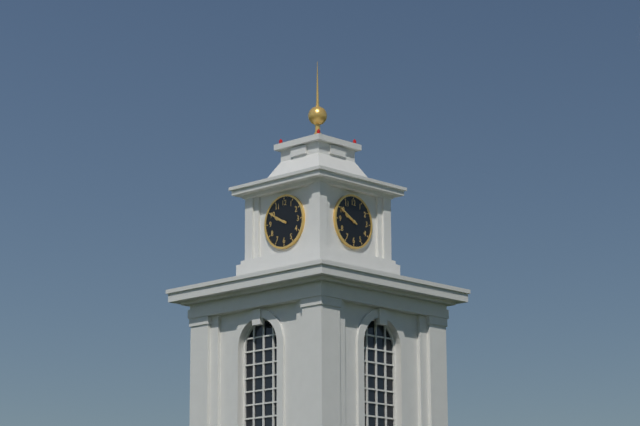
**9:50**
